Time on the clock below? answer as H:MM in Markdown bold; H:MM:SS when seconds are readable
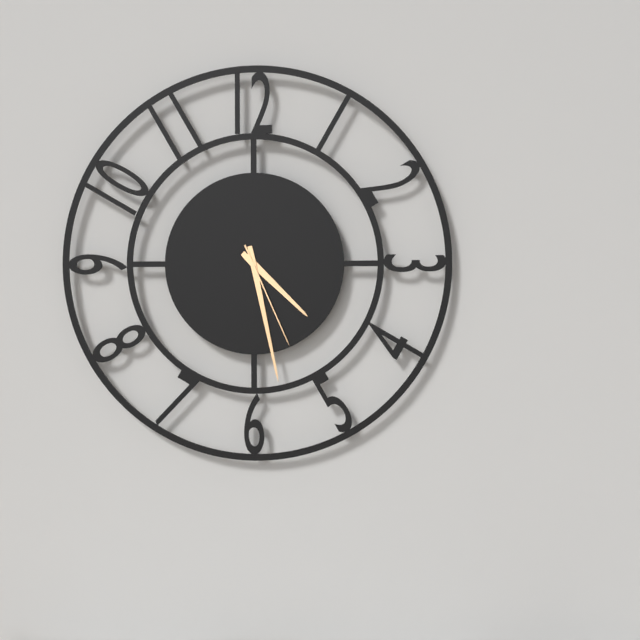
**4:28:26**
